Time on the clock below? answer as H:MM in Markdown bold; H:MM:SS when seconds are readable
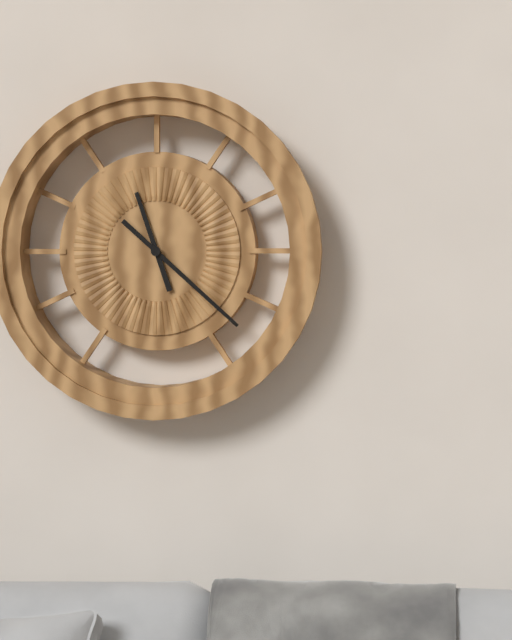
**11:22**
